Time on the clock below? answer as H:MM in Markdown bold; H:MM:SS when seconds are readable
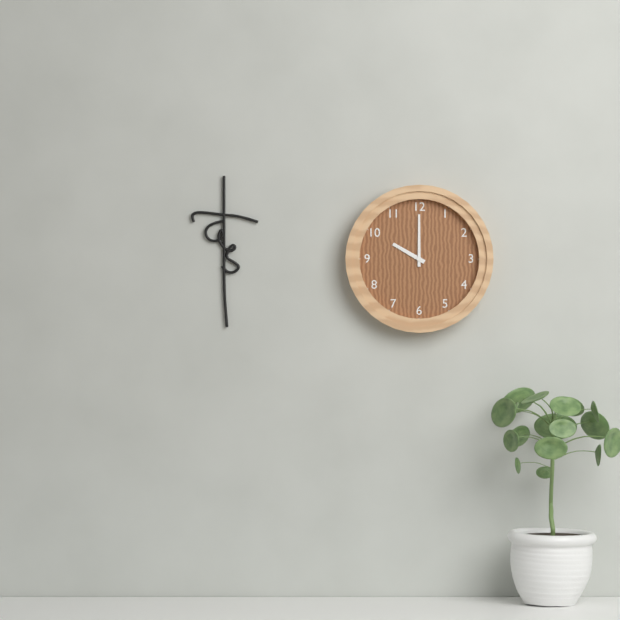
**10:00**
